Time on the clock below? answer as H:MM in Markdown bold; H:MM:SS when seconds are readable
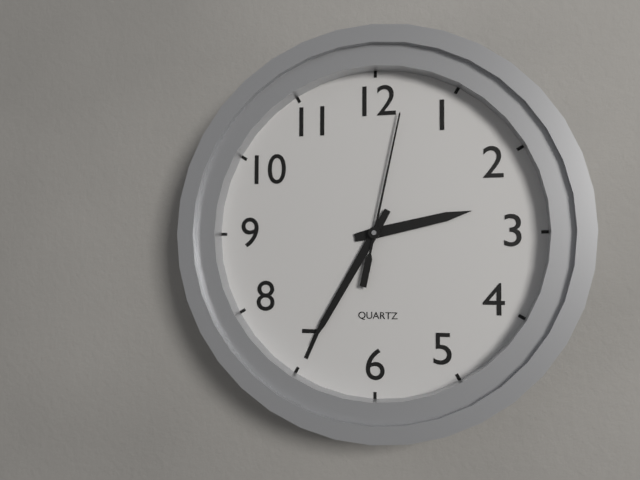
**2:35:02**
